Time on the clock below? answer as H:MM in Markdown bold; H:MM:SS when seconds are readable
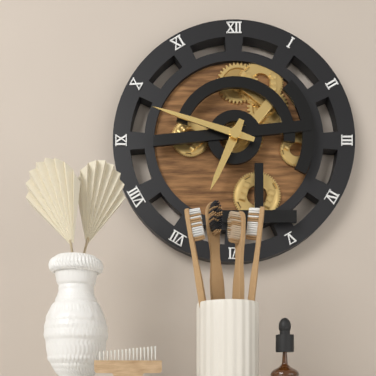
**6:48**
